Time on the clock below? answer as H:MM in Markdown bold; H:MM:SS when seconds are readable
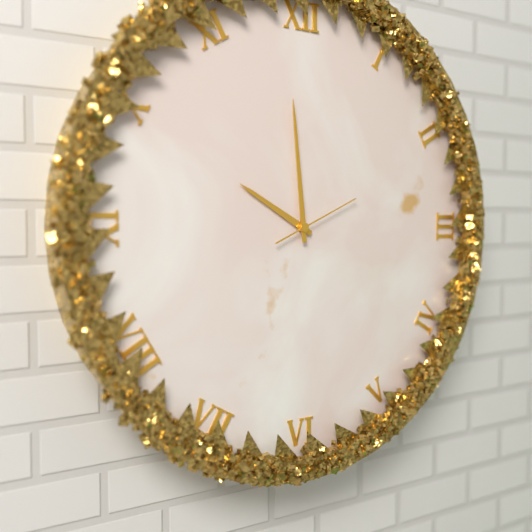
**9:59:11**
